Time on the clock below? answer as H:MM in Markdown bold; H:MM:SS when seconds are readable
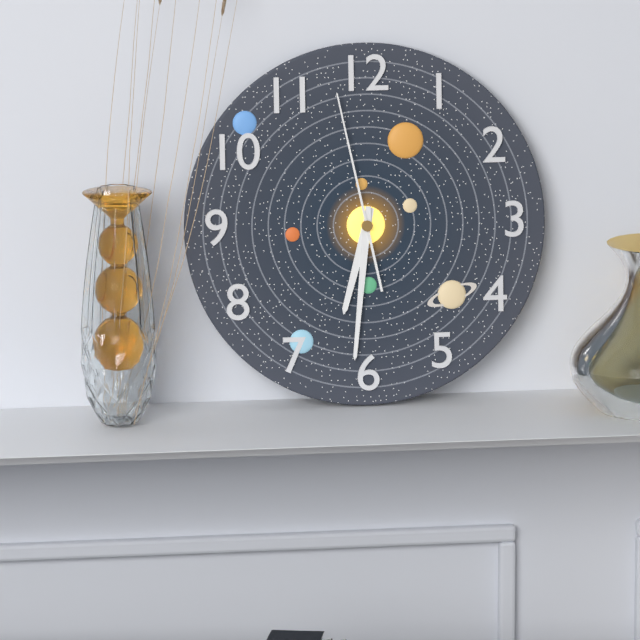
**6:31:58**
